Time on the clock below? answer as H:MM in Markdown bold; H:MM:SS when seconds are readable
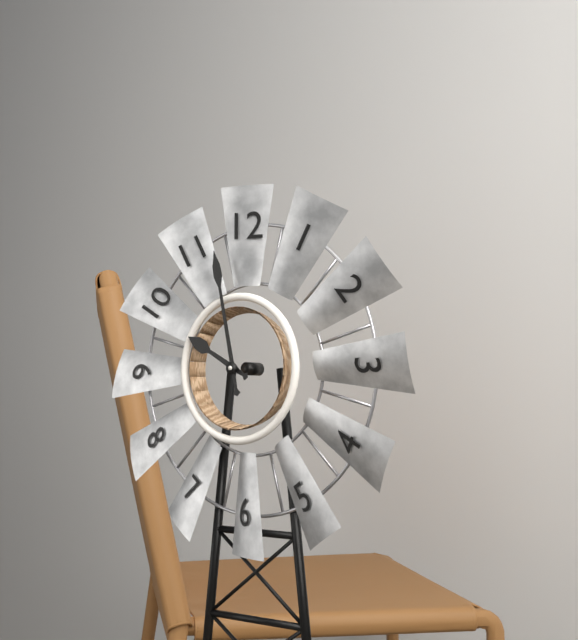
**9:58**
